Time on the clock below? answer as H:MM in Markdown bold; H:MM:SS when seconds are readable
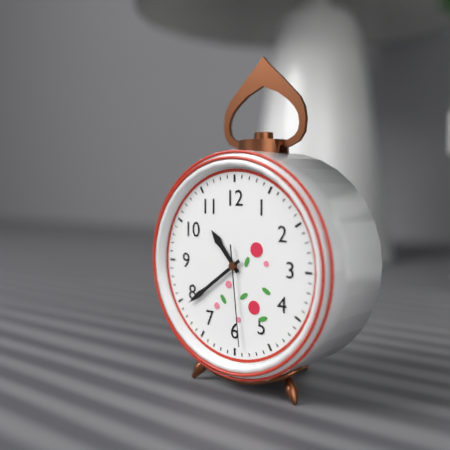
**10:39:29**
